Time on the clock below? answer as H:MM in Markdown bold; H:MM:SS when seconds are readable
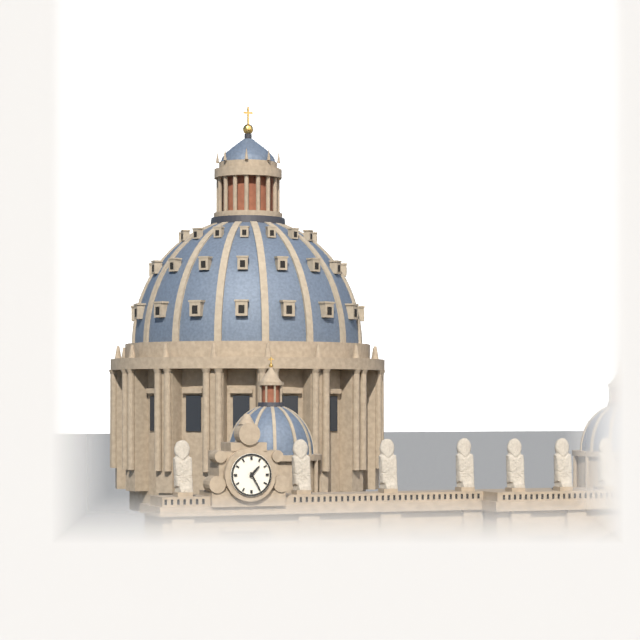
**1:25**
